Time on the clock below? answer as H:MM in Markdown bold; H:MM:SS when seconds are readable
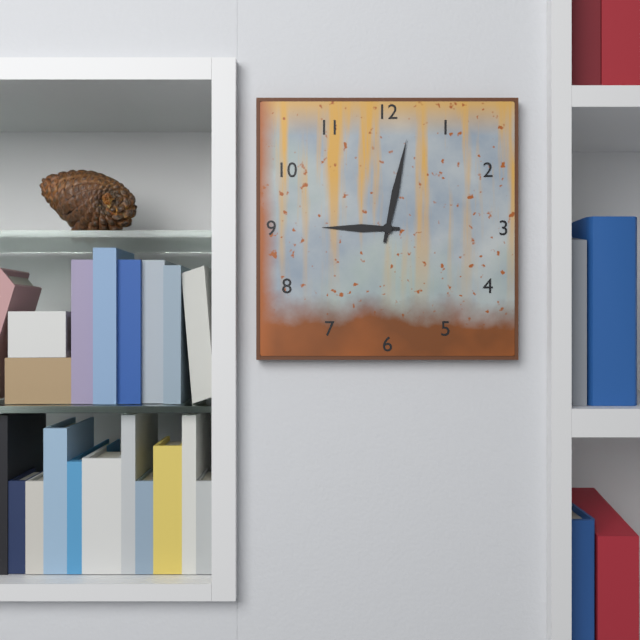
**9:02**
